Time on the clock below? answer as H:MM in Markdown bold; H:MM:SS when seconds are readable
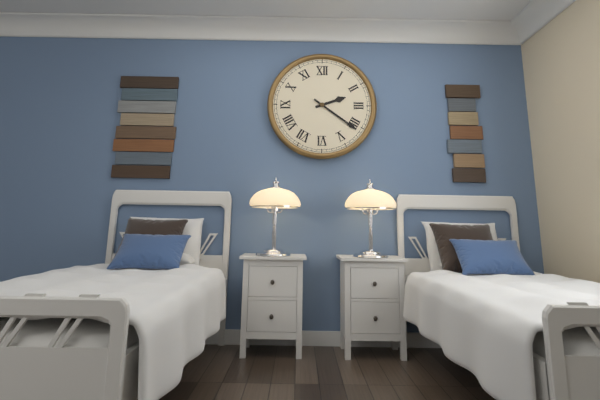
**2:21**
